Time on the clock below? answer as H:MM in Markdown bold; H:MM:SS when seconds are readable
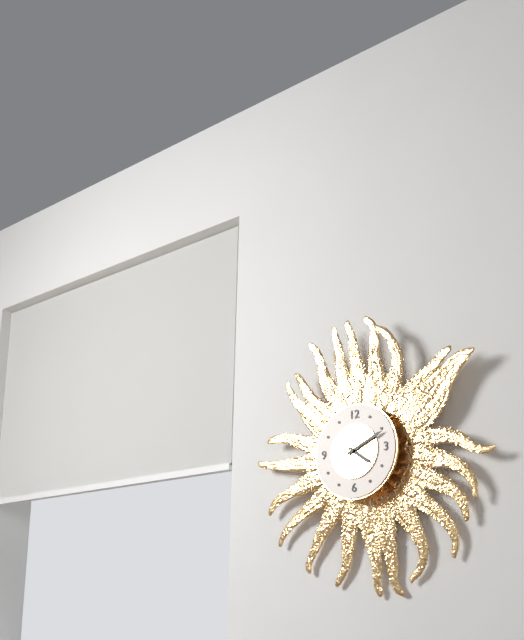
**4:11**
